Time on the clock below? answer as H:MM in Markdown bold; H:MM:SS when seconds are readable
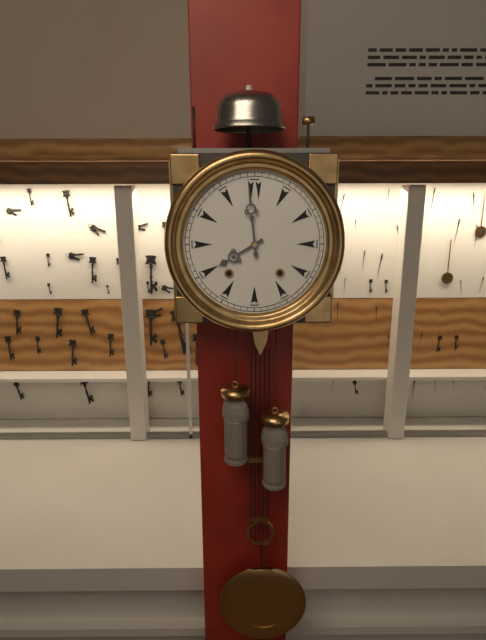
**7:59**
